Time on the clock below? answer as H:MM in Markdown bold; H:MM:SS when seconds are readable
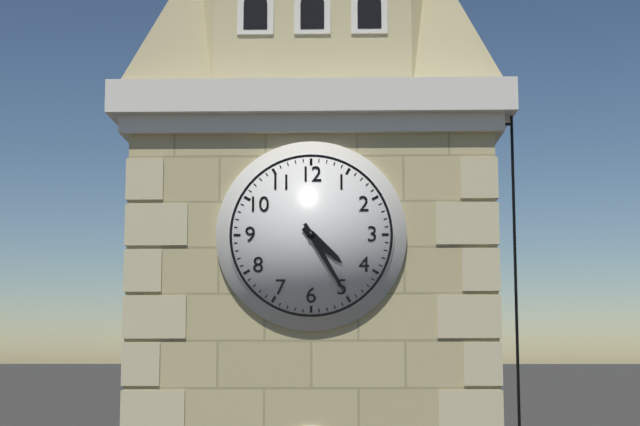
**4:25**
